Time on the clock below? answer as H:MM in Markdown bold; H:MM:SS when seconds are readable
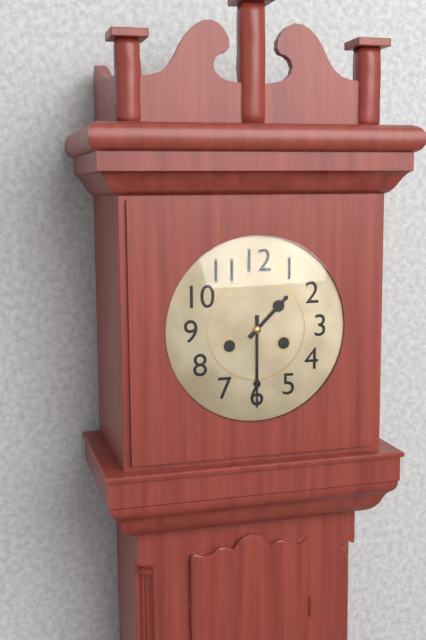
**1:30**
